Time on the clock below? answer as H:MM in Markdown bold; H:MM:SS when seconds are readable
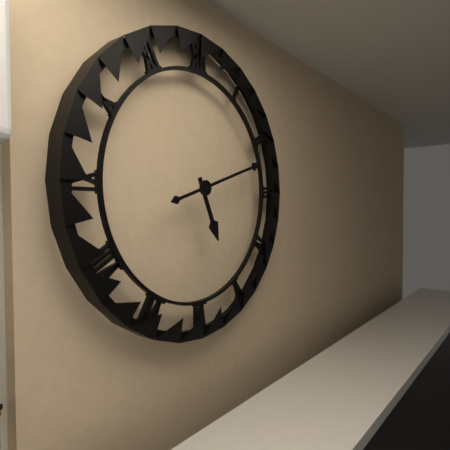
**5:12**
